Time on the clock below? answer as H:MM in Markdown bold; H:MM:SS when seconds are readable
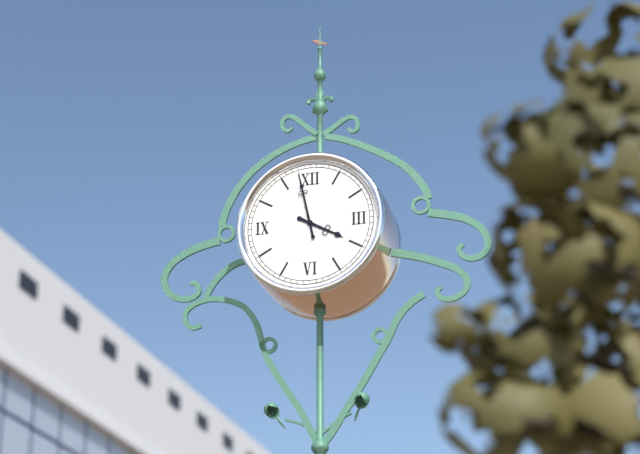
**3:58**
